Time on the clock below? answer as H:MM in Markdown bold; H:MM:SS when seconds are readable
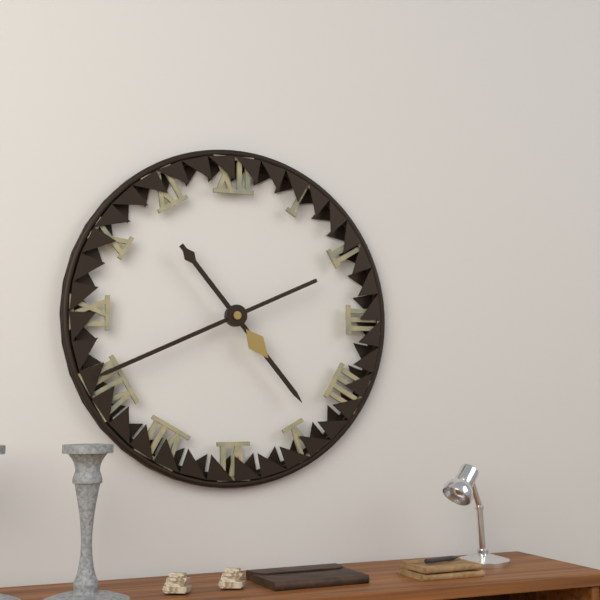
**4:41**
